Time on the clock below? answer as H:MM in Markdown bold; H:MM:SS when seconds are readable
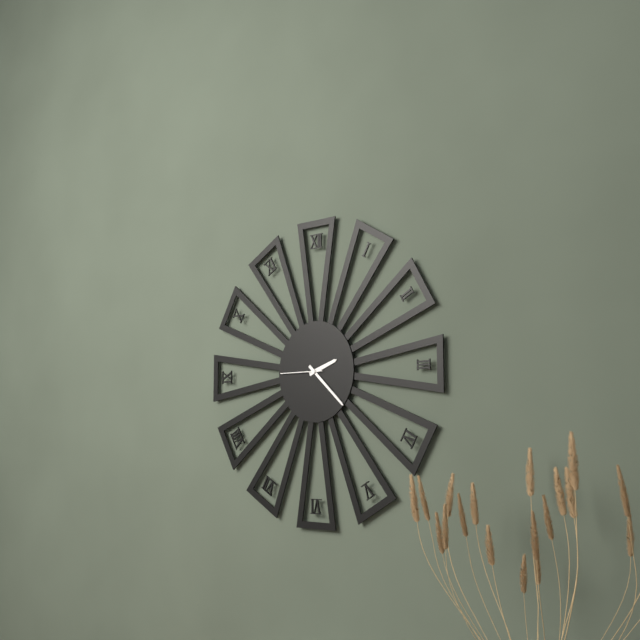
**2:22**
